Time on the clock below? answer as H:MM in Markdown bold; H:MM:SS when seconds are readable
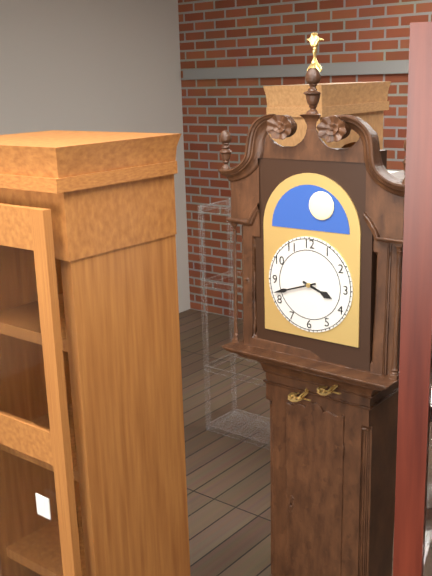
**3:42**
